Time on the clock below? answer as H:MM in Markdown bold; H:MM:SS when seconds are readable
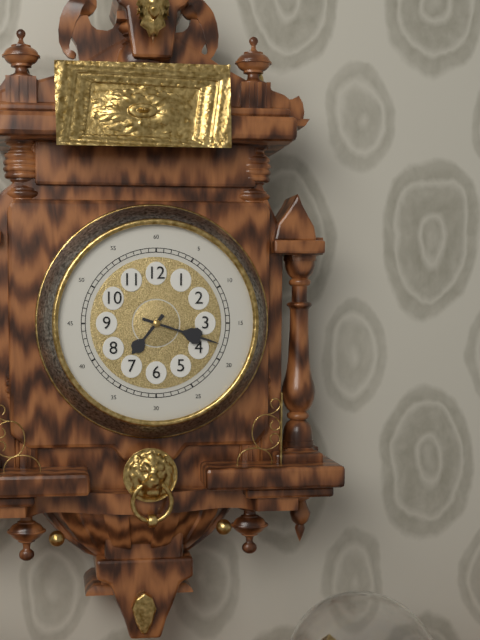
**7:18**
